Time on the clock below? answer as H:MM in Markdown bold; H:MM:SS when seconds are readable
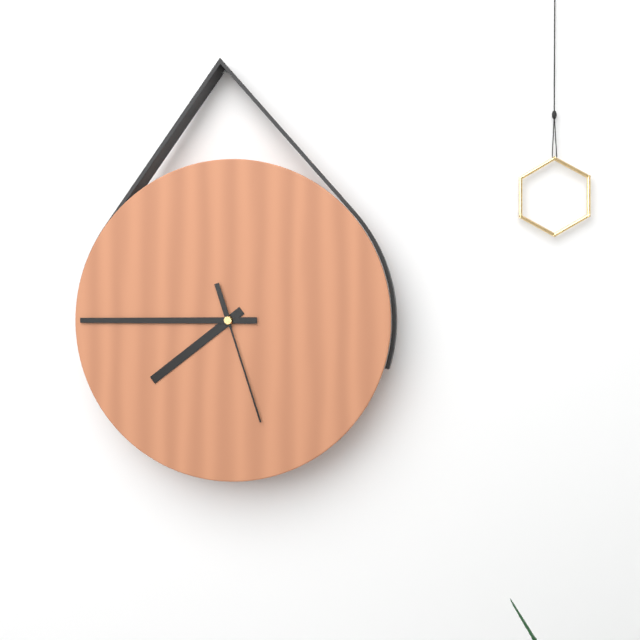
**7:45:27**
